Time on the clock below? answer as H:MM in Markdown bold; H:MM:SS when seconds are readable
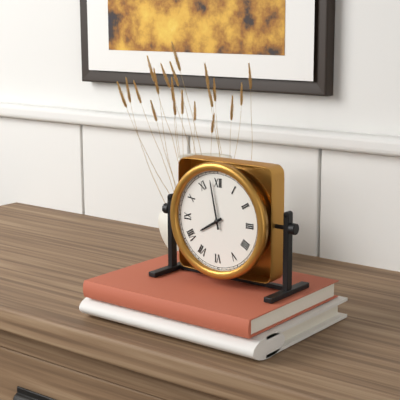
**7:58**
